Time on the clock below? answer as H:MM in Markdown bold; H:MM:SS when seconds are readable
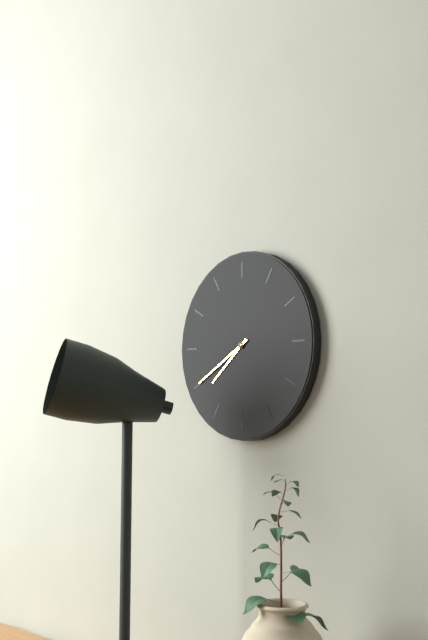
**7:40**
